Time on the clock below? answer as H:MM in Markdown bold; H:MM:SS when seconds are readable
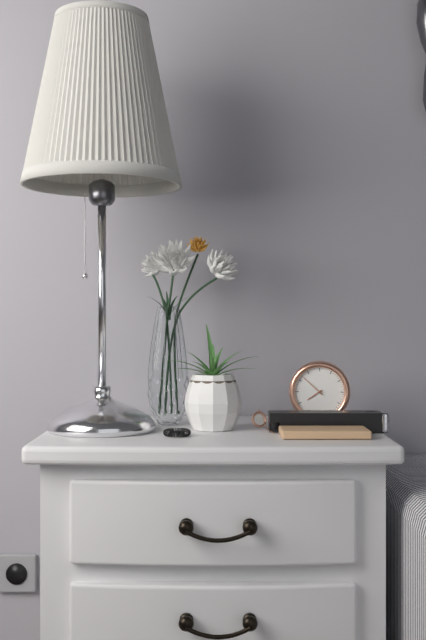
**7:52**
